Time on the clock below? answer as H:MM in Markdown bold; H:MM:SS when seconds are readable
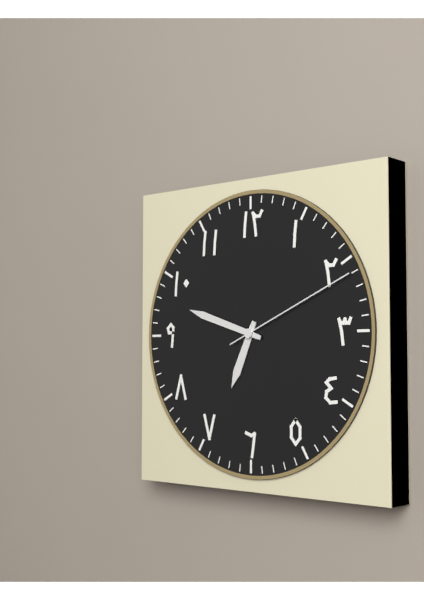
**6:48:11**
